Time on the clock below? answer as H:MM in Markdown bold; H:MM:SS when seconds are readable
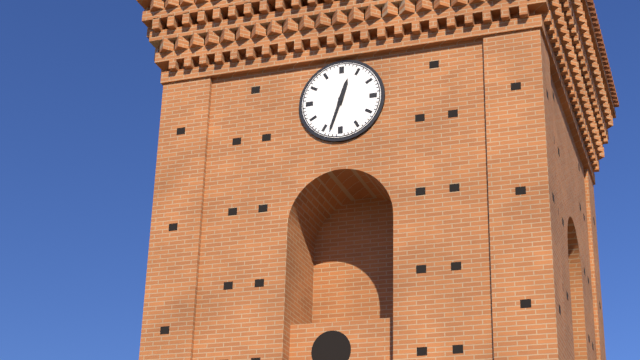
**12:33**
